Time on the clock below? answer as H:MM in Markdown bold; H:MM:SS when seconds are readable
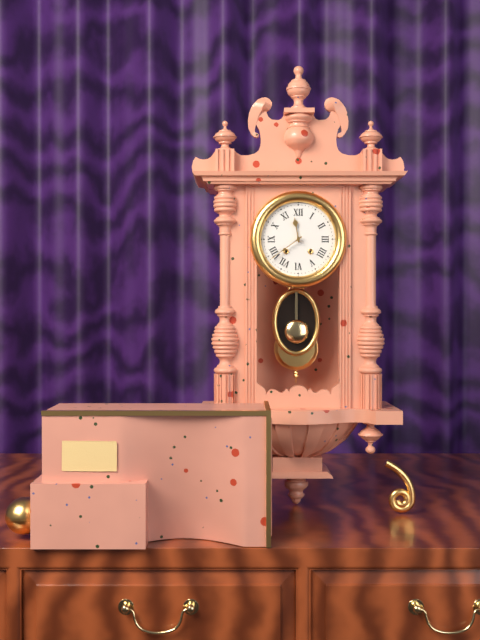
**11:39**
